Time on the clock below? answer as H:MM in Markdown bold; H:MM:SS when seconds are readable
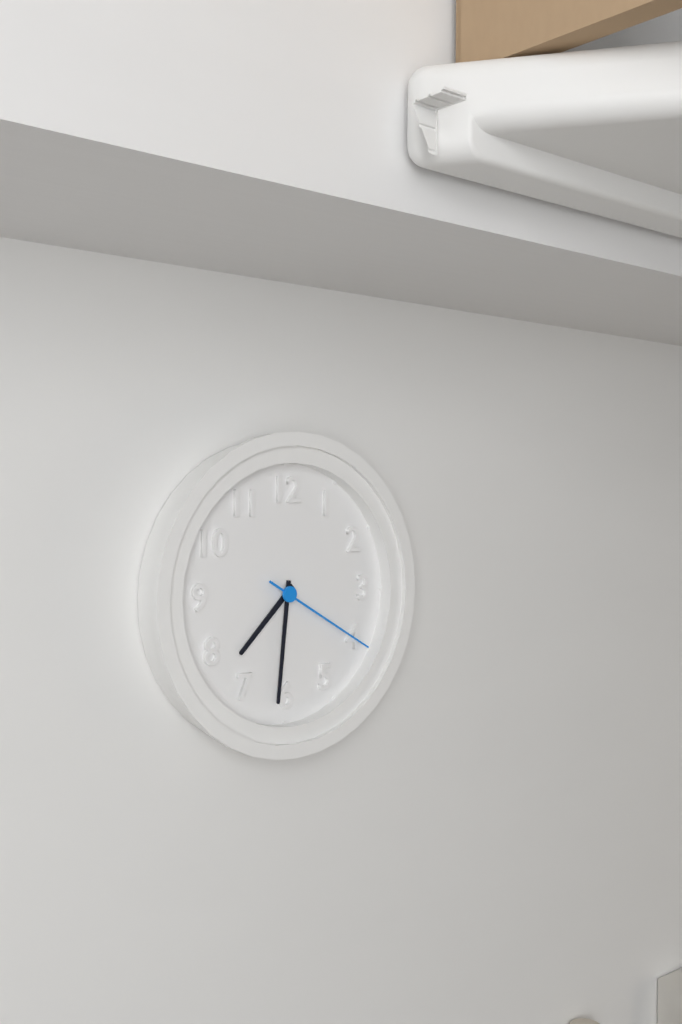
**7:31:20**
